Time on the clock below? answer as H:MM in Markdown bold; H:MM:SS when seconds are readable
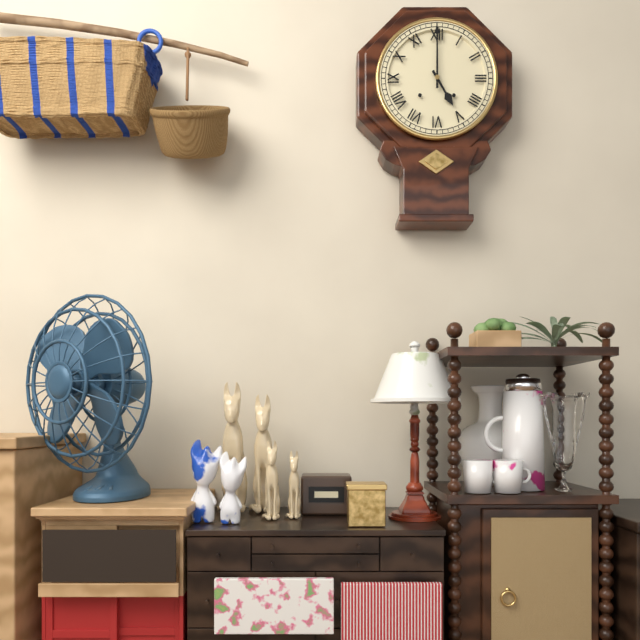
**5:00**
